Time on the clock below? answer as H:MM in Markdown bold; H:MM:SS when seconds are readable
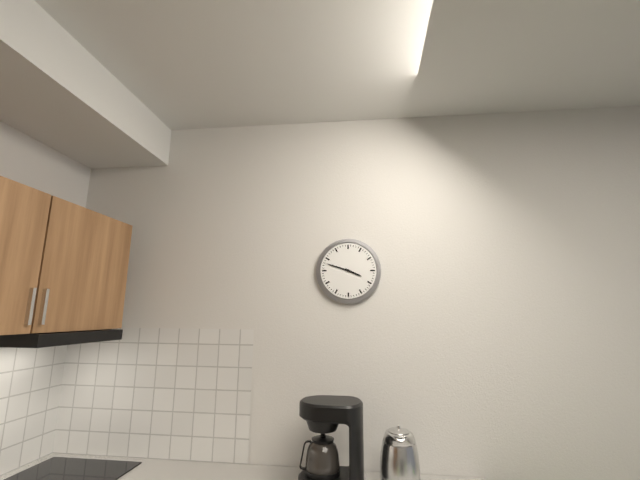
**3:48**
